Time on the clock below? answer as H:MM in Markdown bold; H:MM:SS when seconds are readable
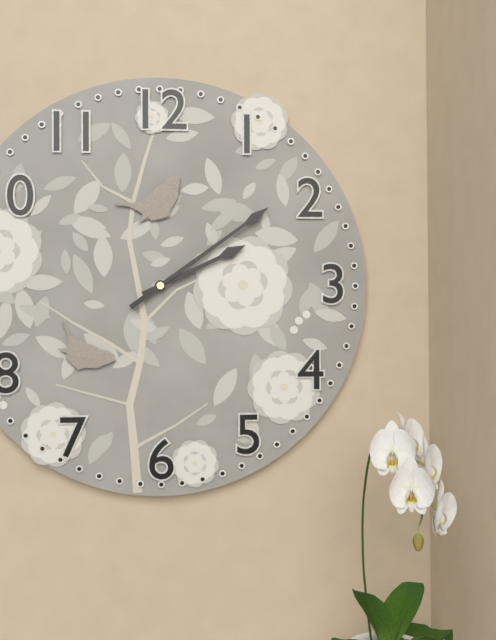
**2:09**
